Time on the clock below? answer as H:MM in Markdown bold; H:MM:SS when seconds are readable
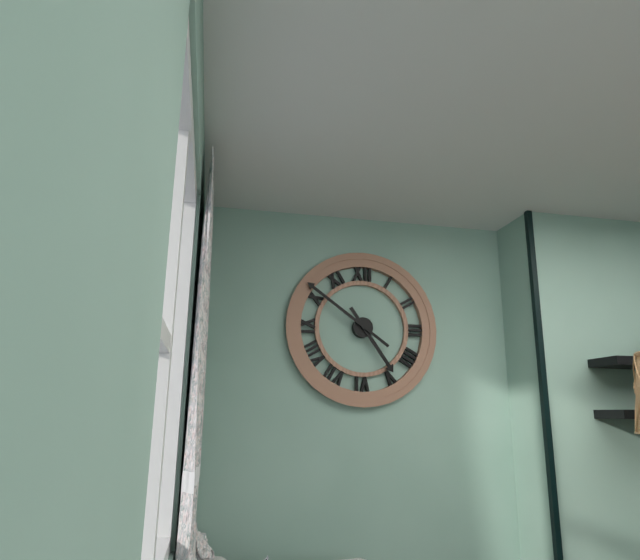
**4:51**
